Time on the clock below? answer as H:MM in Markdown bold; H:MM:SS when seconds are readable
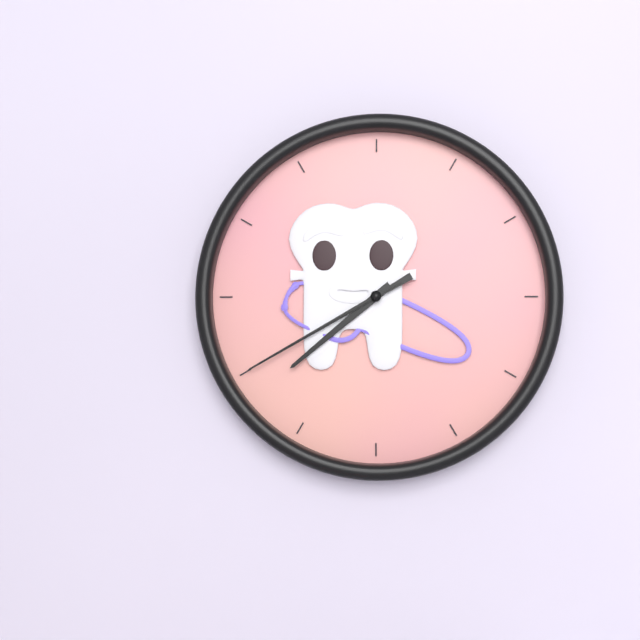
**7:40:40**
